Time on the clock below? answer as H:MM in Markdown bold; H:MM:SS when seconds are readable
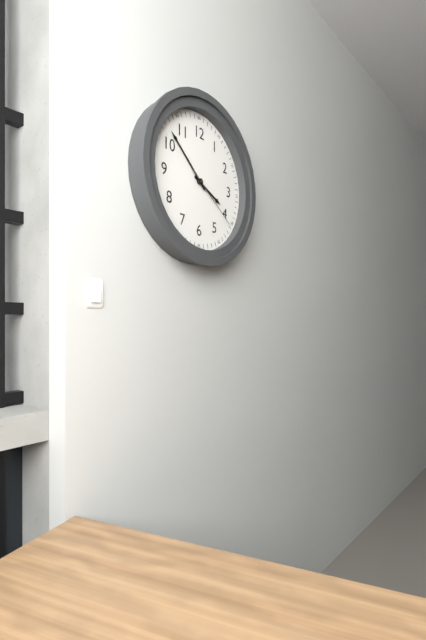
**3:52:21**
